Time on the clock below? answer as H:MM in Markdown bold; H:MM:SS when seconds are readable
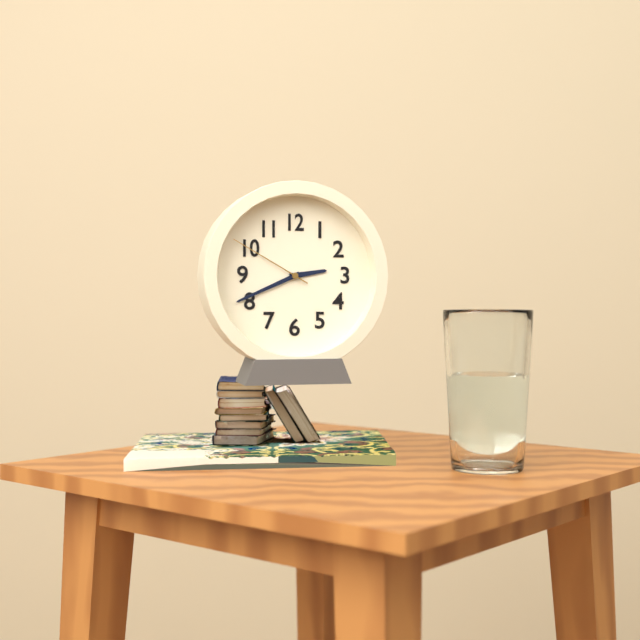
**2:41:50**
